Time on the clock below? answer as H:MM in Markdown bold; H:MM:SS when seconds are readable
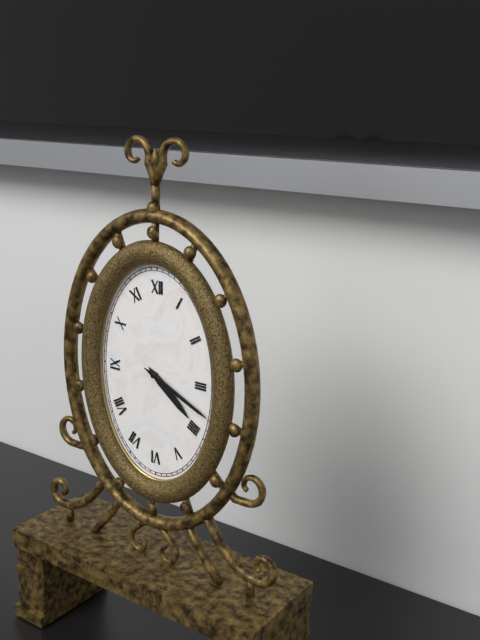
**4:19**
